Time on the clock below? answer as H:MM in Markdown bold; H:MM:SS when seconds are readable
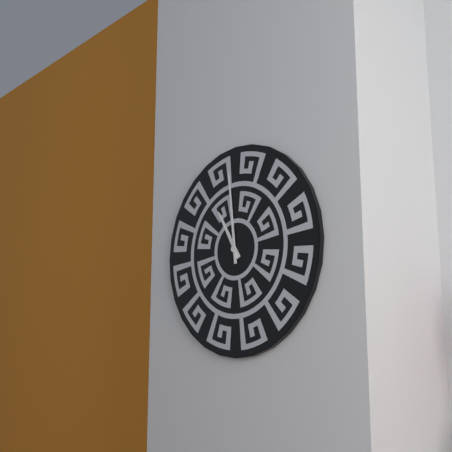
**10:59**
